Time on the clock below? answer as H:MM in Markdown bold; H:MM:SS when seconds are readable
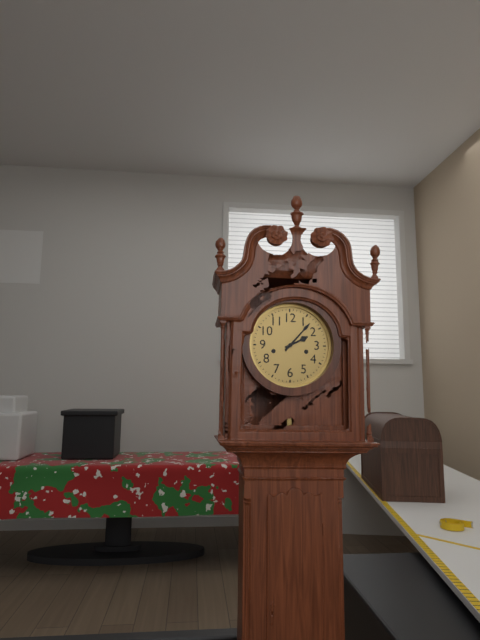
**2:07**
